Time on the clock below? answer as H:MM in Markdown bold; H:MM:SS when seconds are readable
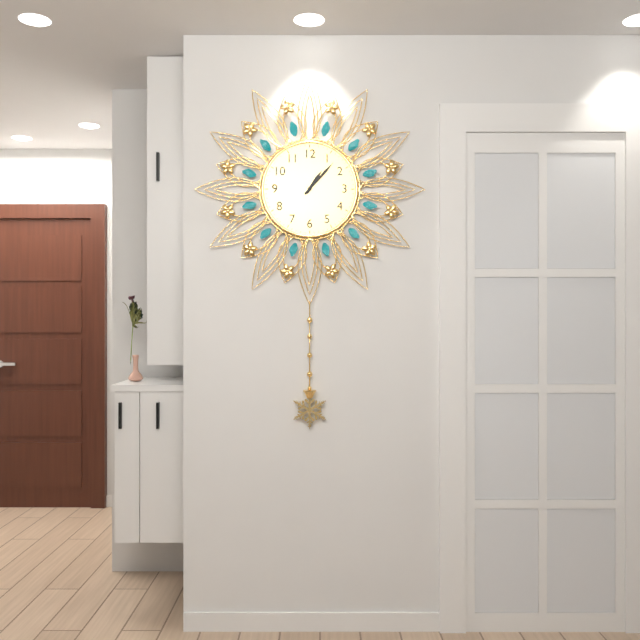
**1:07**
